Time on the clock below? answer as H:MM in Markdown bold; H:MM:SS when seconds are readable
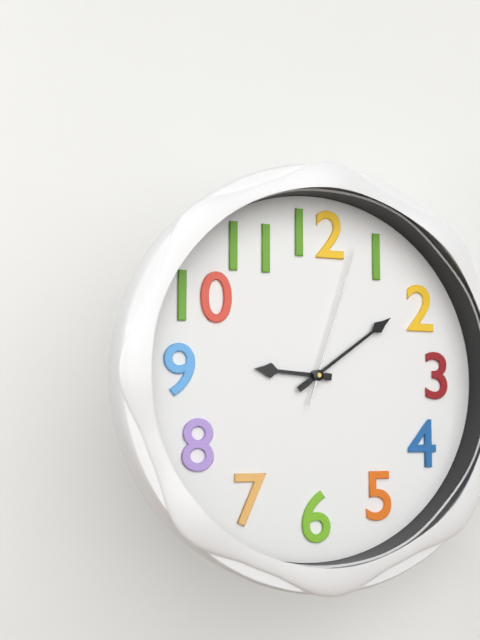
**9:09:03**
